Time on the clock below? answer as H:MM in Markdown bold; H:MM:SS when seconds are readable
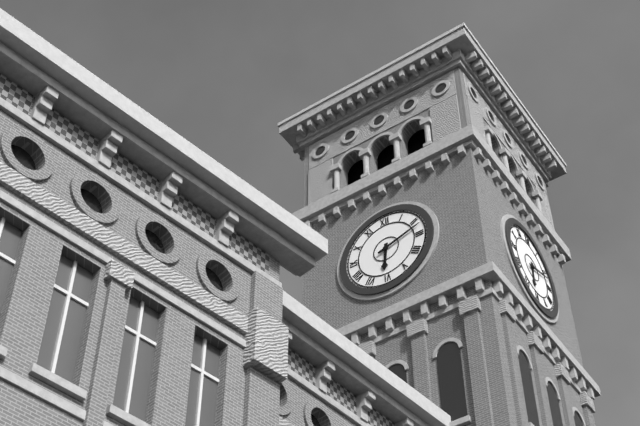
**6:12**
